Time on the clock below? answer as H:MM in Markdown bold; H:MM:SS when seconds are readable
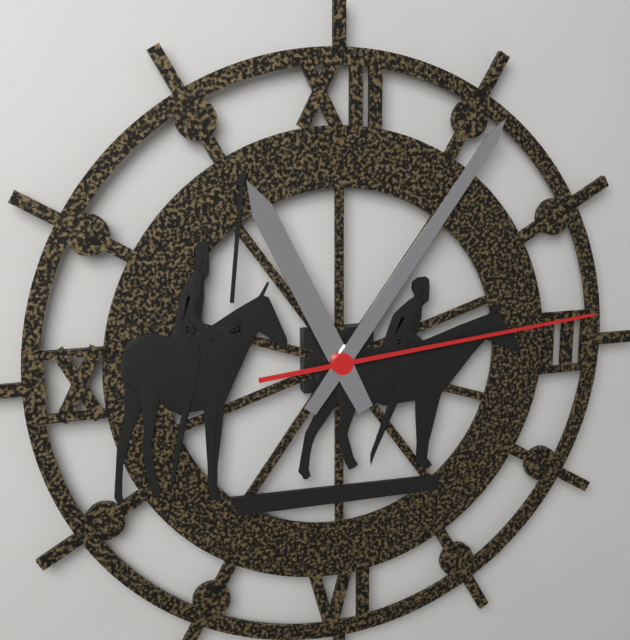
**11:06:14**
